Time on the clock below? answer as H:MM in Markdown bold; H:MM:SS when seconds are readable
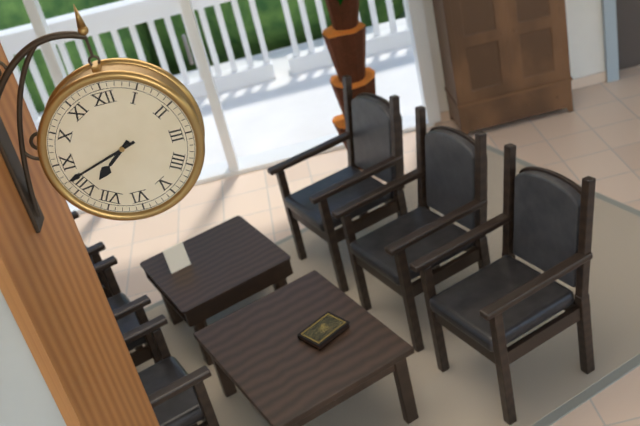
**7:42**
